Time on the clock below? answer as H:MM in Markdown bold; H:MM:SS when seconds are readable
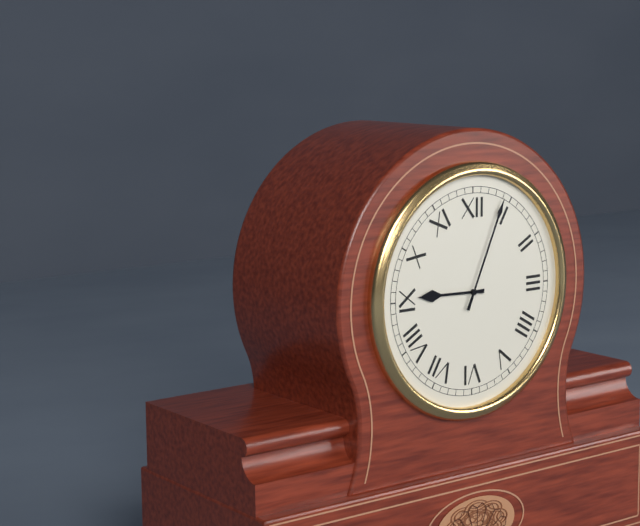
**9:04**
